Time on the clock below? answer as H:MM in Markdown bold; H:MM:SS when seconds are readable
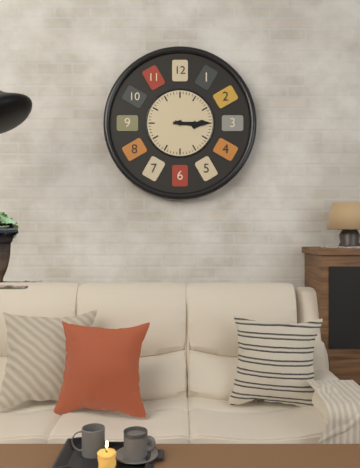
**3:15**
